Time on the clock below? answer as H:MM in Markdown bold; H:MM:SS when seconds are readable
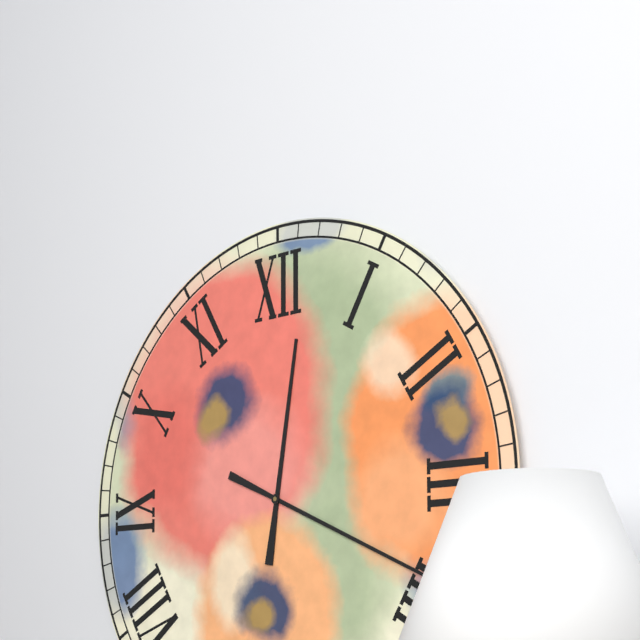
**12:19**
